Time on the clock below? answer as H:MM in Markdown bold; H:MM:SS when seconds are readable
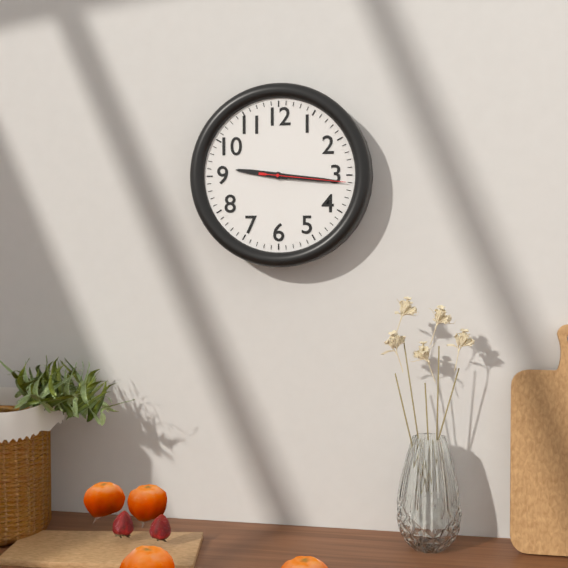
**9:16:16**
